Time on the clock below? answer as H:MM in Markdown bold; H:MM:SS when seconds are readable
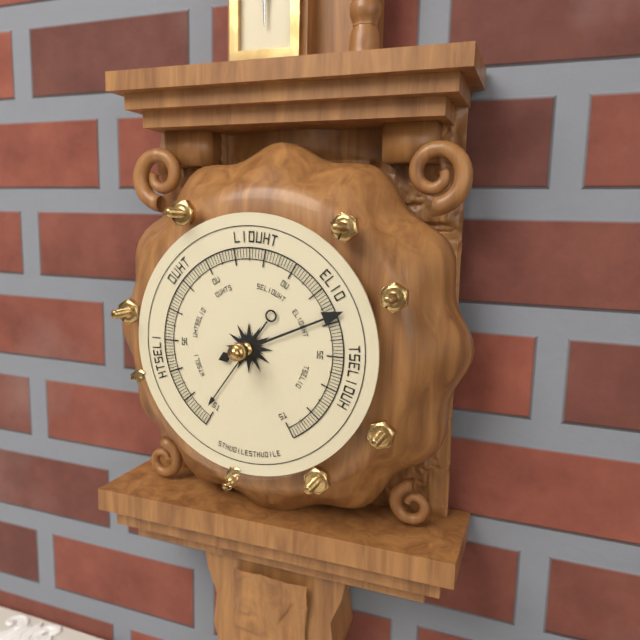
**7:11**
